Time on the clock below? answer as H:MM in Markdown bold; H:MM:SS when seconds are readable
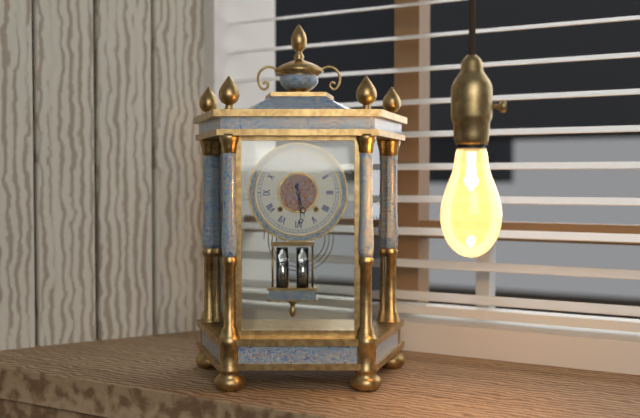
**5:29**
